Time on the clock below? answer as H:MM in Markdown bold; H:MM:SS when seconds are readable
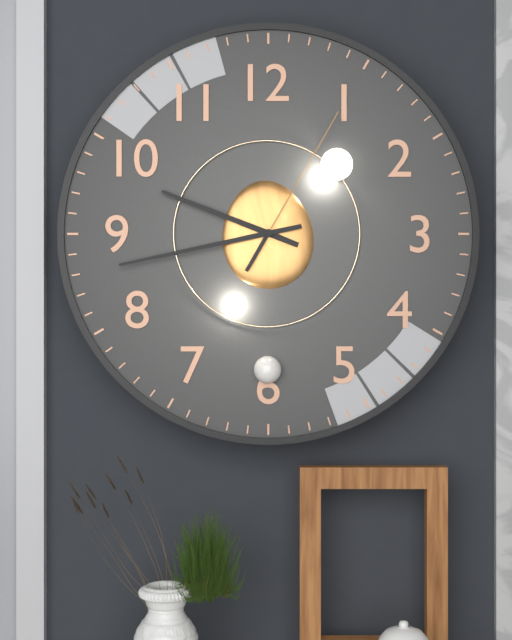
**9:43:05**
